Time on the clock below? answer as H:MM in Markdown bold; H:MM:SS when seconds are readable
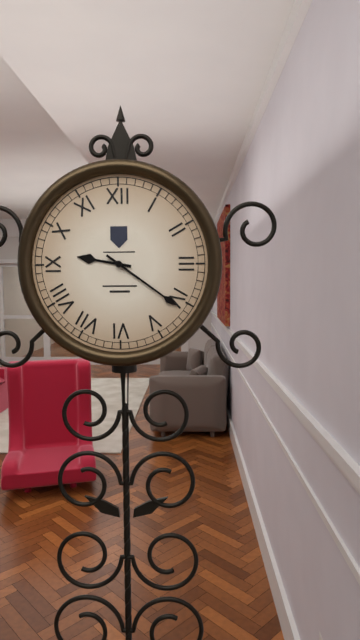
**9:21**
